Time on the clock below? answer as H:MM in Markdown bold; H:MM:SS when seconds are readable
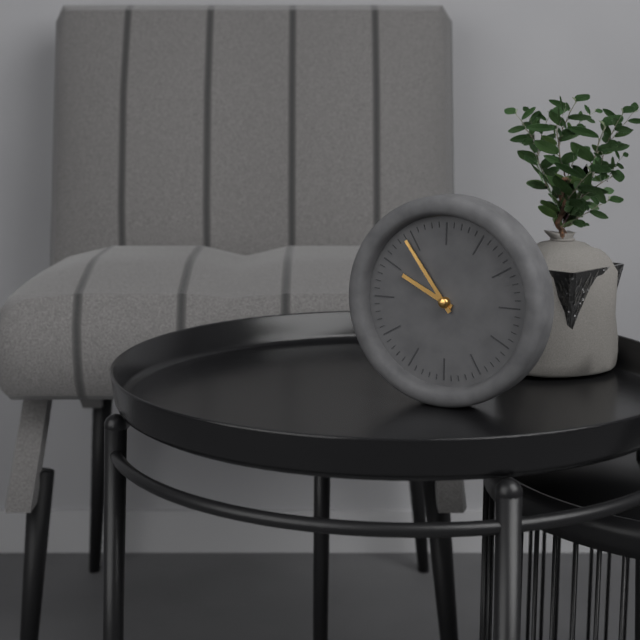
**9:54**
